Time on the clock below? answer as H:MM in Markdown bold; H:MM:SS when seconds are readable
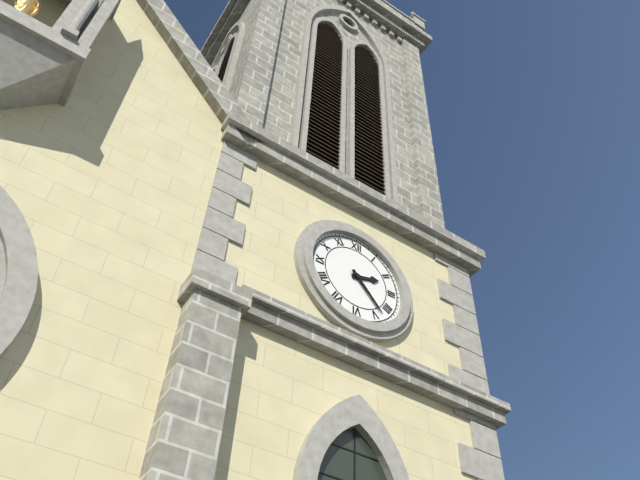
**2:23**
